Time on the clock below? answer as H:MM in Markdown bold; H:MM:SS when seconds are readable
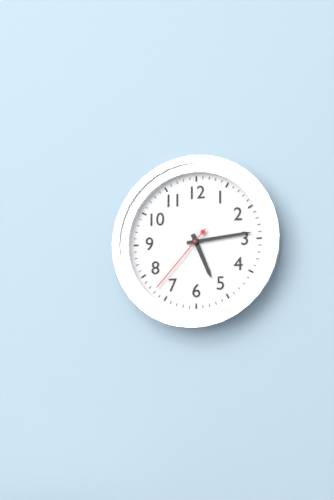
**5:14:37**
